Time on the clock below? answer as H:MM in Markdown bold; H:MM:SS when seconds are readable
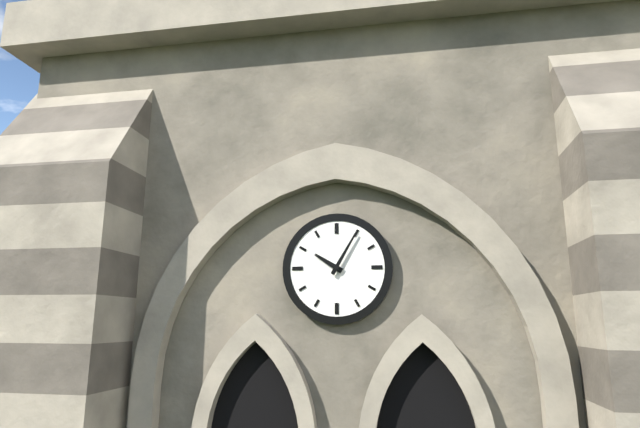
**10:05**
